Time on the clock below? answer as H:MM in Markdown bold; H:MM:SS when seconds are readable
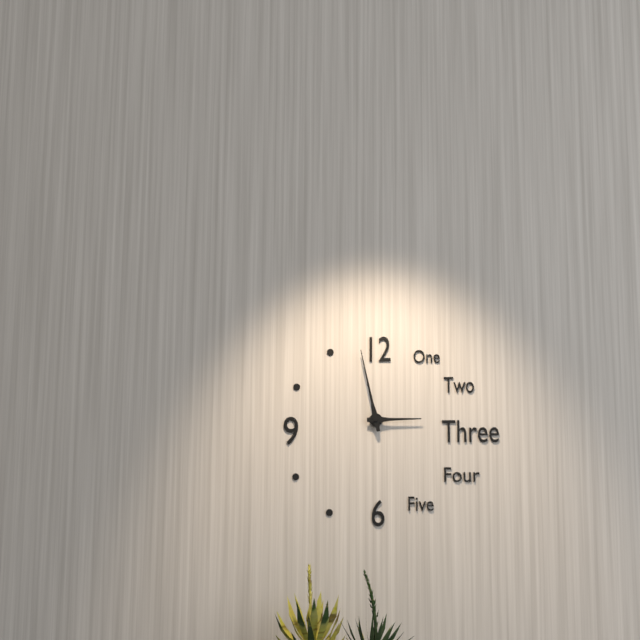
**2:58**
